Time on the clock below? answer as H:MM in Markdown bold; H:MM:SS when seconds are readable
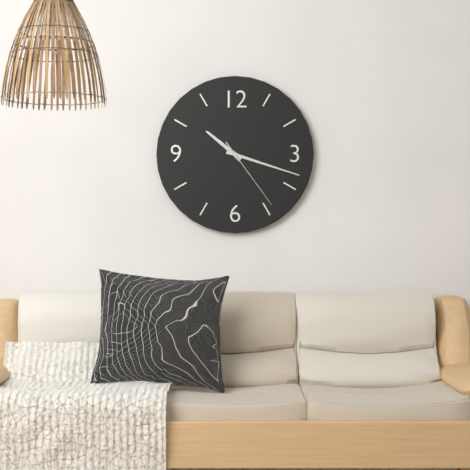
**10:18:24**
